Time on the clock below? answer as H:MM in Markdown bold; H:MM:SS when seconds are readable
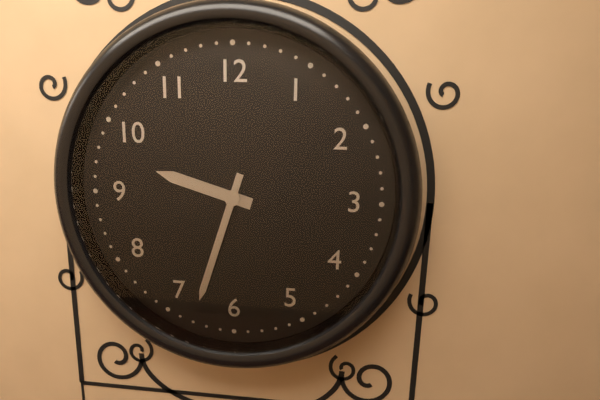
**9:33**
